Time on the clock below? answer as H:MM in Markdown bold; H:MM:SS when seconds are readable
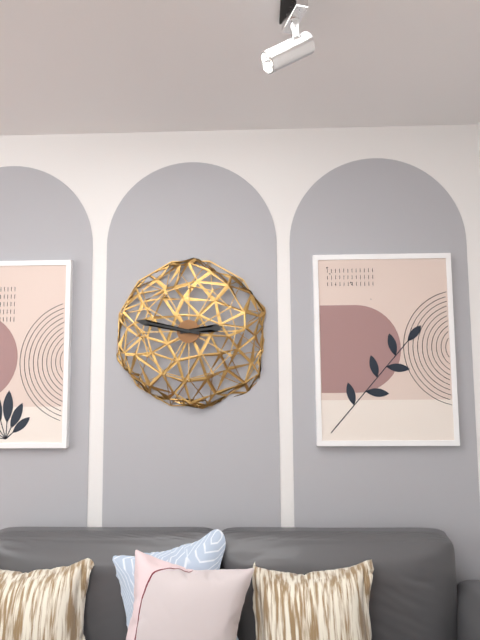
**2:47**
